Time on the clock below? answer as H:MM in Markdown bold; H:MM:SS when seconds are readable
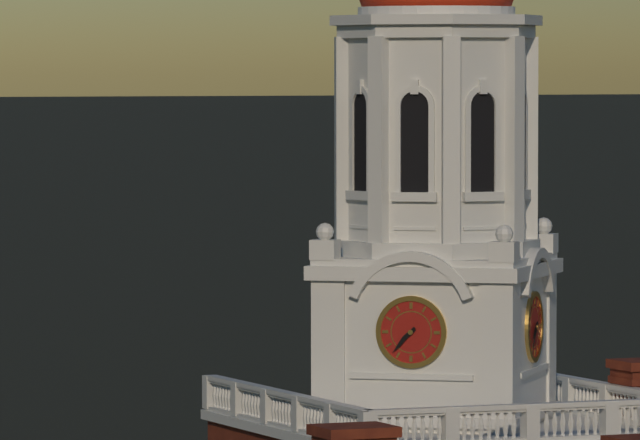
**7:37**
